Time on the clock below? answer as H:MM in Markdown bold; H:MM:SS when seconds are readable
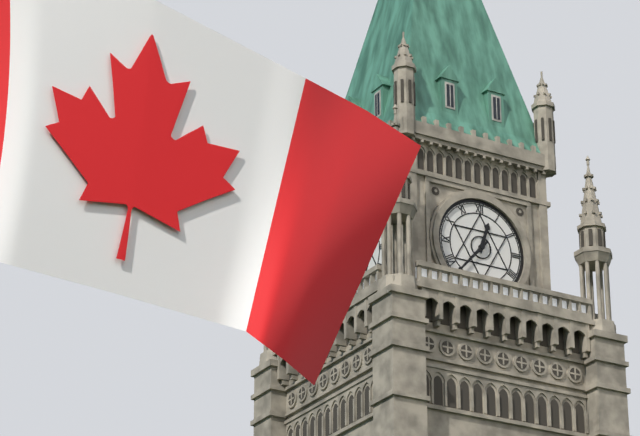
**12:37**
